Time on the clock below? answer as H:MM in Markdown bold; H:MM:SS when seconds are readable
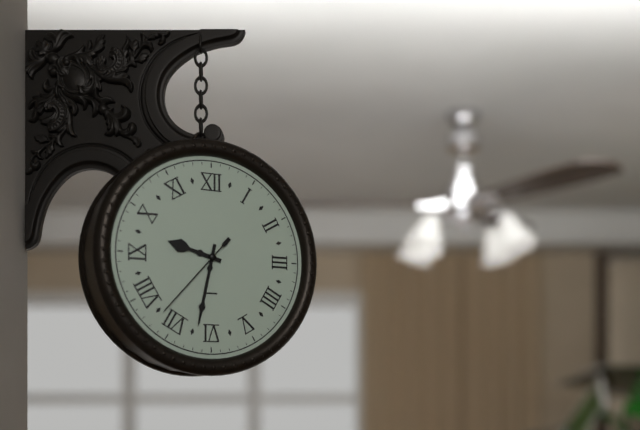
**9:32:37**
